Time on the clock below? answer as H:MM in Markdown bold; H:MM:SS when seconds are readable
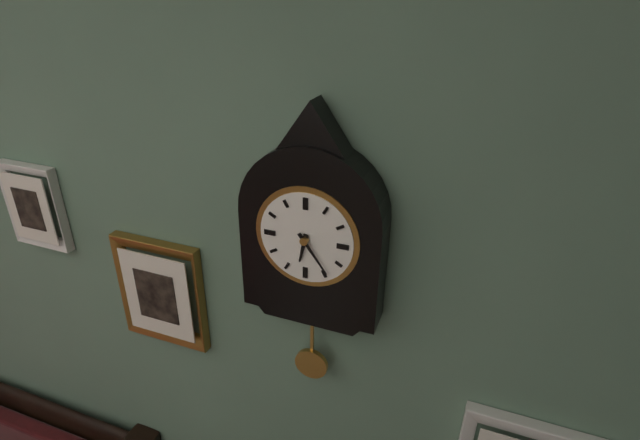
**6:24**
